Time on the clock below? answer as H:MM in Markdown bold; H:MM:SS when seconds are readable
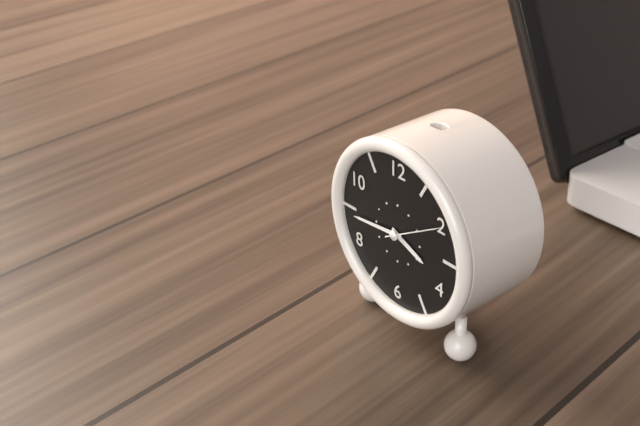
**3:44:10**
